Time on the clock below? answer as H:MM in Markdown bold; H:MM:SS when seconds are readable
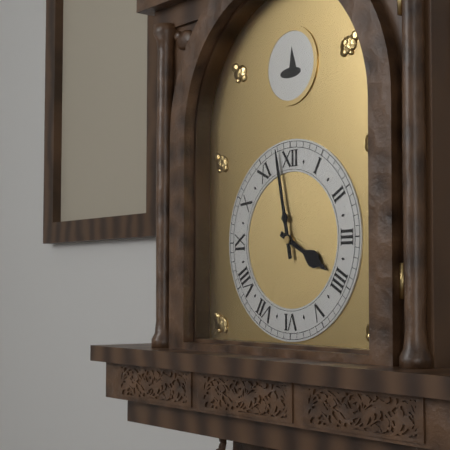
**3:58**
